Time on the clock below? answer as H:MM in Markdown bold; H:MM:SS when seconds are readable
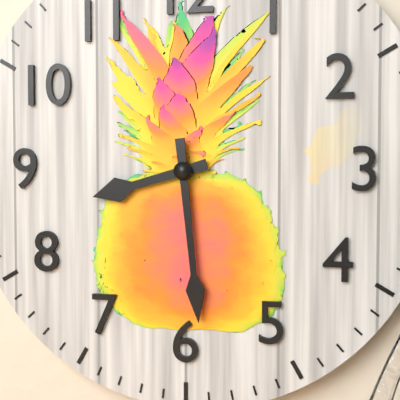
**8:29**
